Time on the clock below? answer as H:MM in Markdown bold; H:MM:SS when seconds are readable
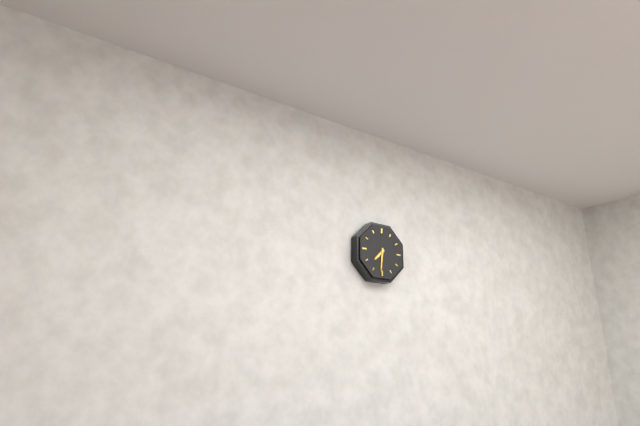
**7:31**
